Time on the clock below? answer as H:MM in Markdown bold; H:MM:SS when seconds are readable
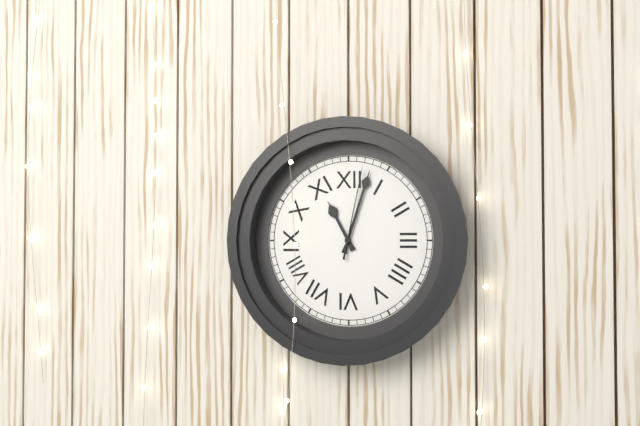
**11:03:02**
